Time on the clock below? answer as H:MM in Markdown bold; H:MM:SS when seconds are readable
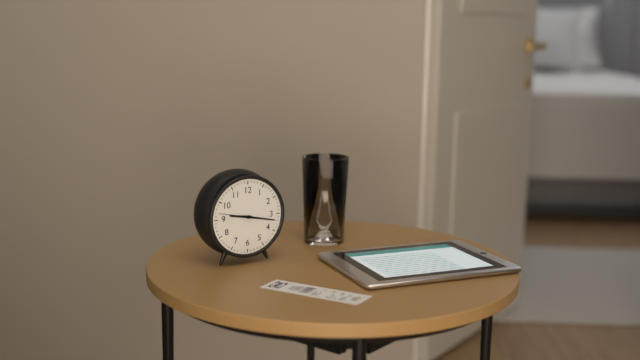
**9:17**
